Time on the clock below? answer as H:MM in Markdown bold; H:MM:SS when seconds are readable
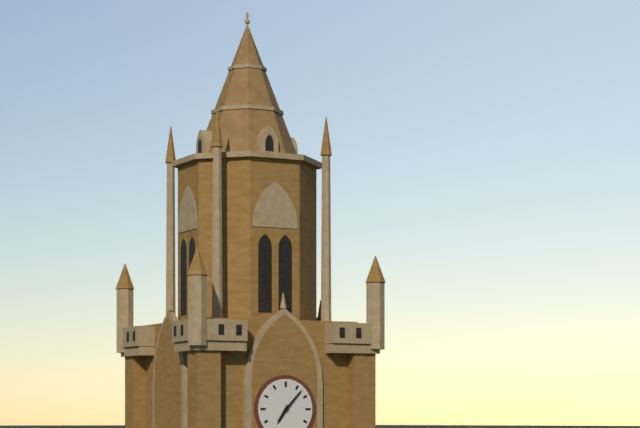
**7:07**
